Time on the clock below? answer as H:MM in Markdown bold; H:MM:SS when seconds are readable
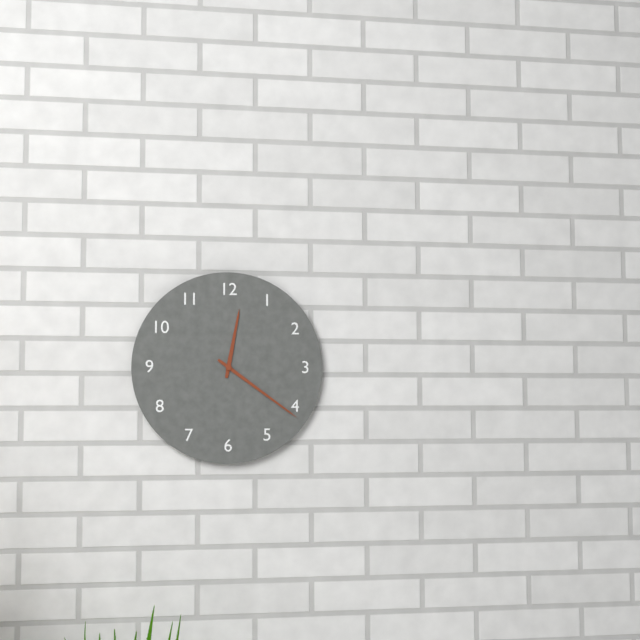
**12:21**
